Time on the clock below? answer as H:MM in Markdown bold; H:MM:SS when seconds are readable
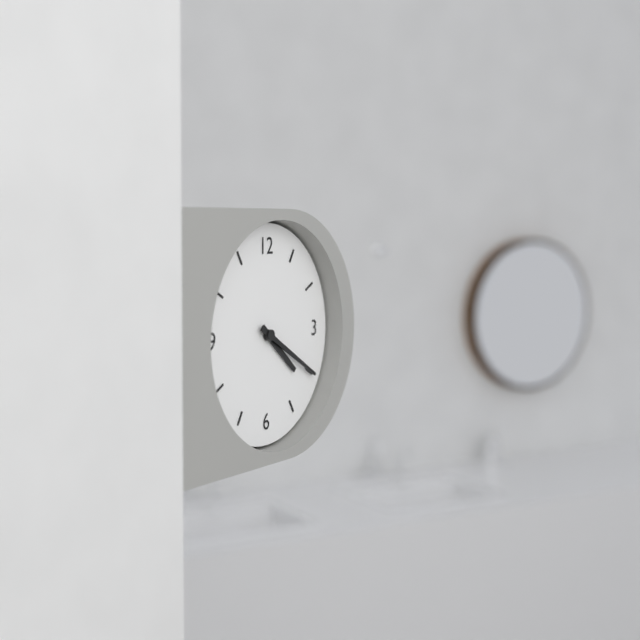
**4:20**
